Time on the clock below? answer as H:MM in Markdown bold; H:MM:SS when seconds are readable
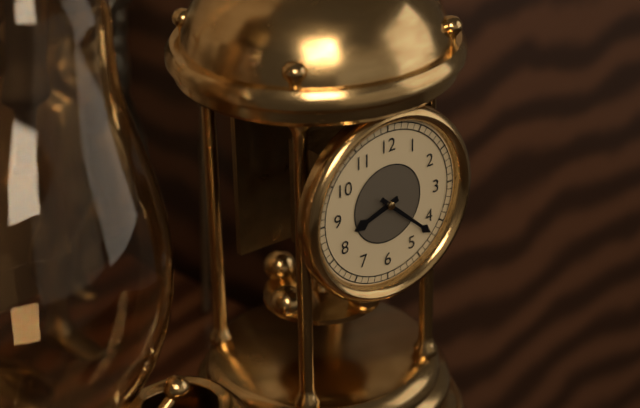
**8:22**
